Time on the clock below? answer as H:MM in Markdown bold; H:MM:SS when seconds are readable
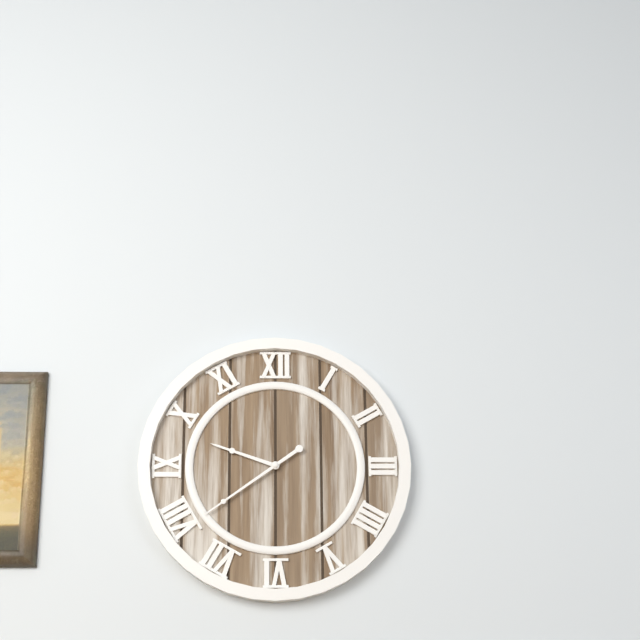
**9:39**
